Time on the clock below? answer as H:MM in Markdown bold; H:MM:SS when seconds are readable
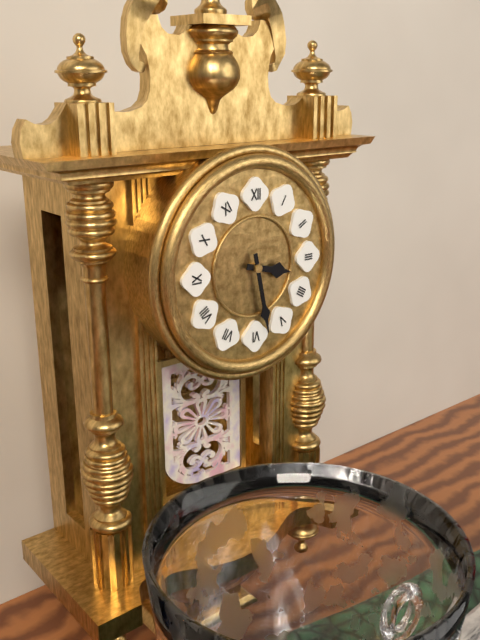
**3:28**
